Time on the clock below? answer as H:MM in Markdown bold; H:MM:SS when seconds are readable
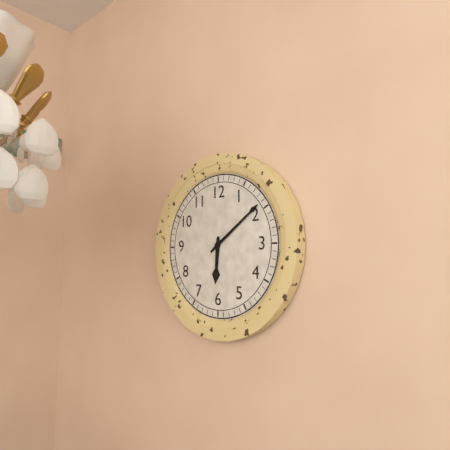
**6:09**
